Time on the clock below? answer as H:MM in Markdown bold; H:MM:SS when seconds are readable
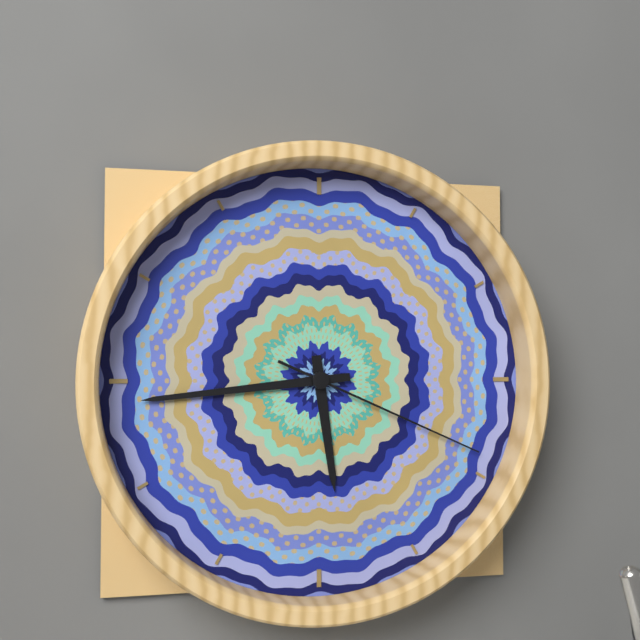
**5:44:19**
